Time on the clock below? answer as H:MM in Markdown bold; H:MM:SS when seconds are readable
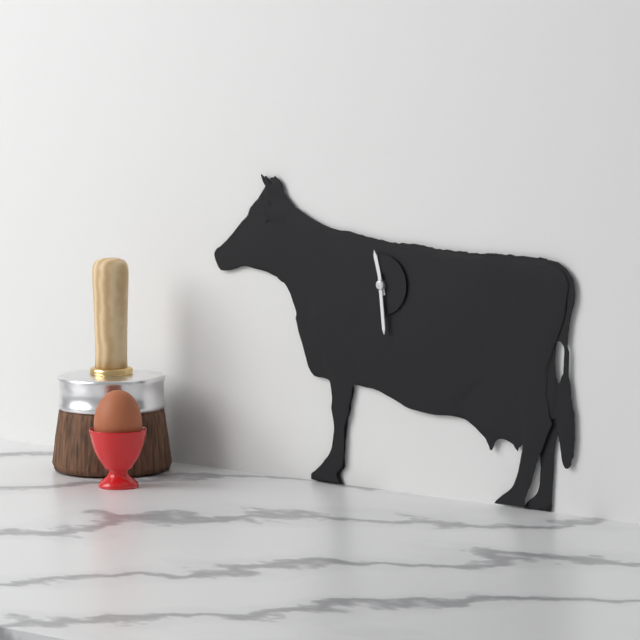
**11:29**
